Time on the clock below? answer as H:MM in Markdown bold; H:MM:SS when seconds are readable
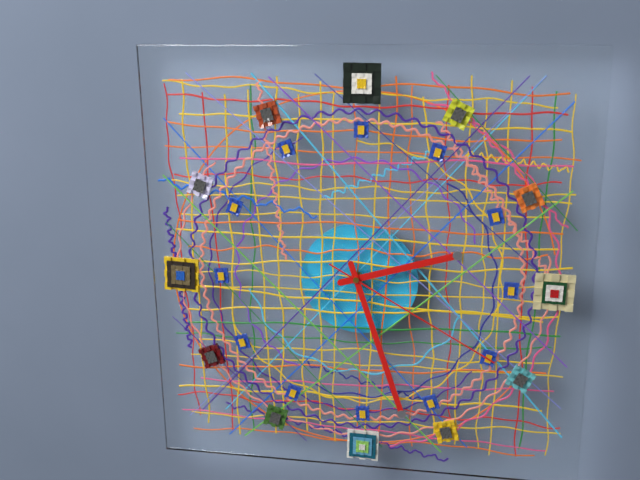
**2:27:20**
